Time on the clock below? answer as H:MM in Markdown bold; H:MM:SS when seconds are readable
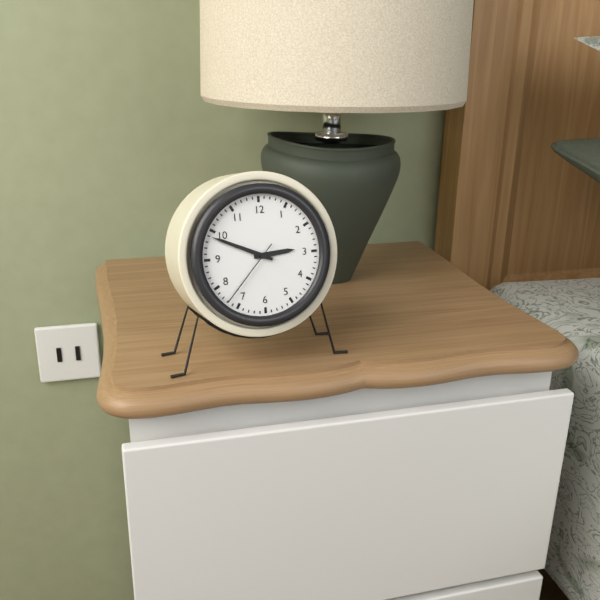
**2:49:37**
